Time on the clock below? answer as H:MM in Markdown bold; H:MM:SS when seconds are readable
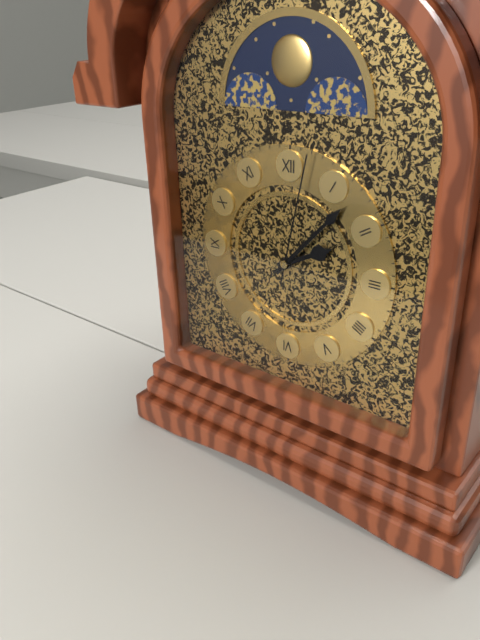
**2:07:02**
